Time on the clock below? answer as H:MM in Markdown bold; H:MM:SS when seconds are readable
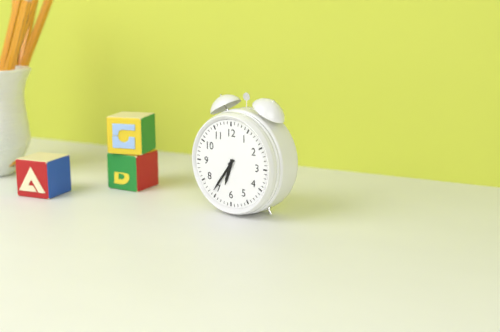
**6:36**
